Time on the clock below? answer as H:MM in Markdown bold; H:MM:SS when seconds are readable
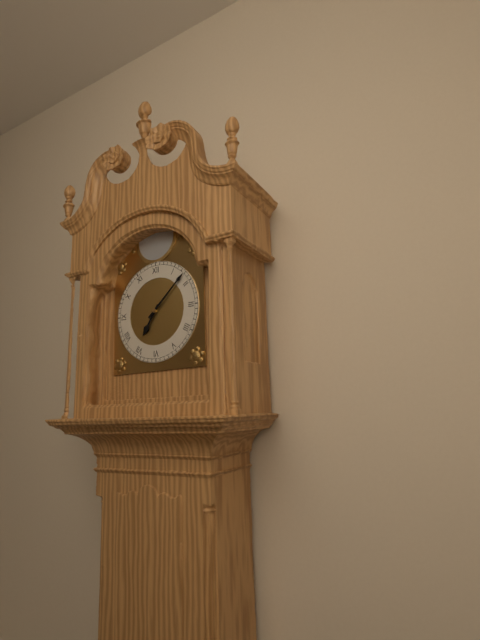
**7:08**
